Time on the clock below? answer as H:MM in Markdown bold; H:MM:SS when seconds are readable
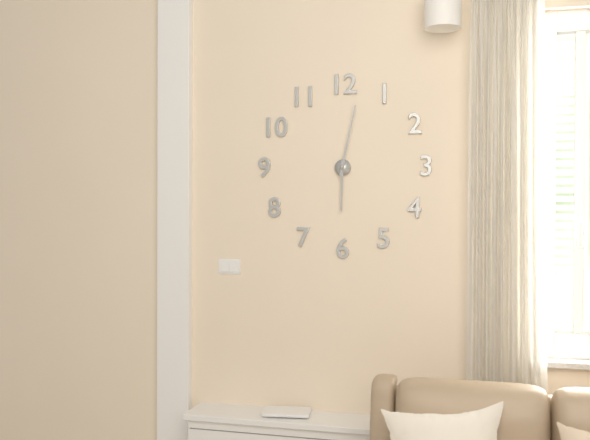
**6:02**
